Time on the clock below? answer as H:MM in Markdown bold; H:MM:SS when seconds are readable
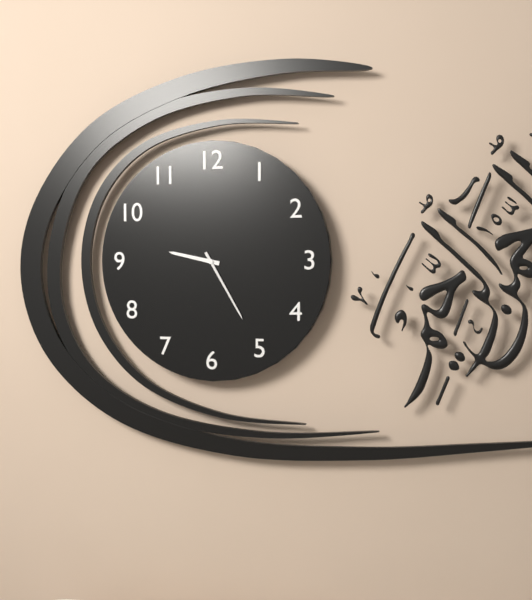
**9:25**
